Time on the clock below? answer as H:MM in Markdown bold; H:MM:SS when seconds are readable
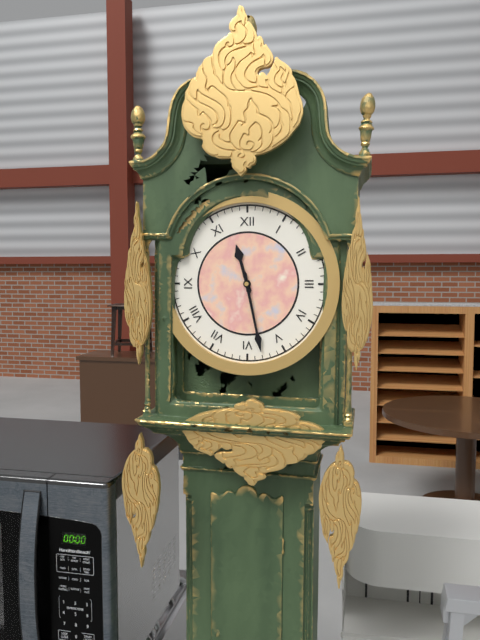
**11:28**
